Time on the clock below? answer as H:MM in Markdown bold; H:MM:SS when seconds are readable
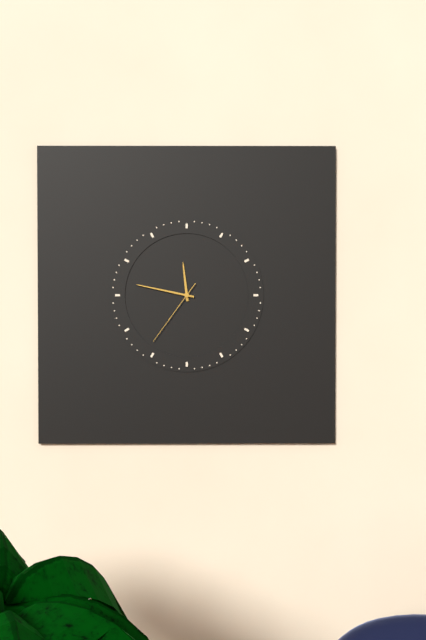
**11:47:36**
